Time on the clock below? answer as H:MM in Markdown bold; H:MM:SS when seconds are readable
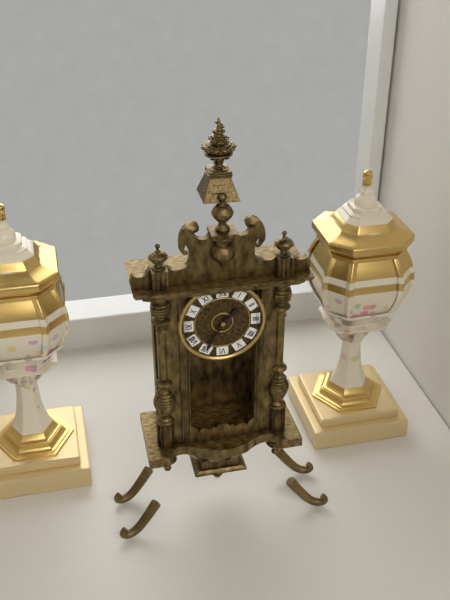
**1:35**
